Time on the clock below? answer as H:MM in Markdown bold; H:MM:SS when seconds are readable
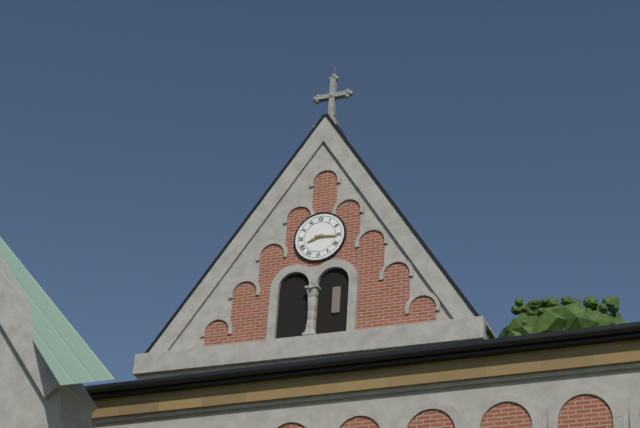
**8:16**
